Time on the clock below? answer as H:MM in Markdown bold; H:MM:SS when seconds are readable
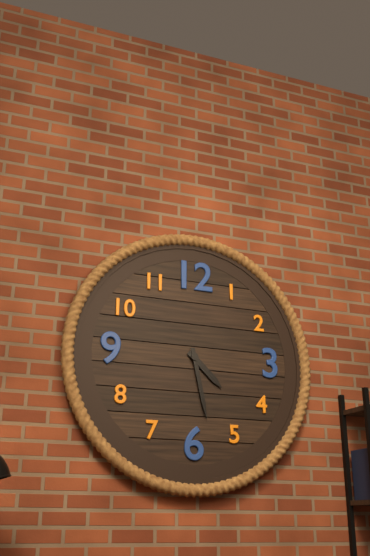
**4:28**
